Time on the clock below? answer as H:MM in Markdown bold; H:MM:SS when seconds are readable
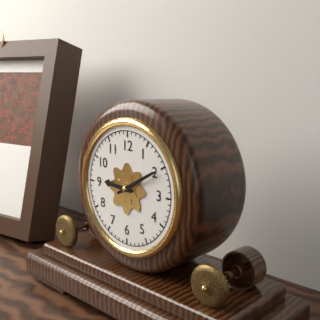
**9:10**
